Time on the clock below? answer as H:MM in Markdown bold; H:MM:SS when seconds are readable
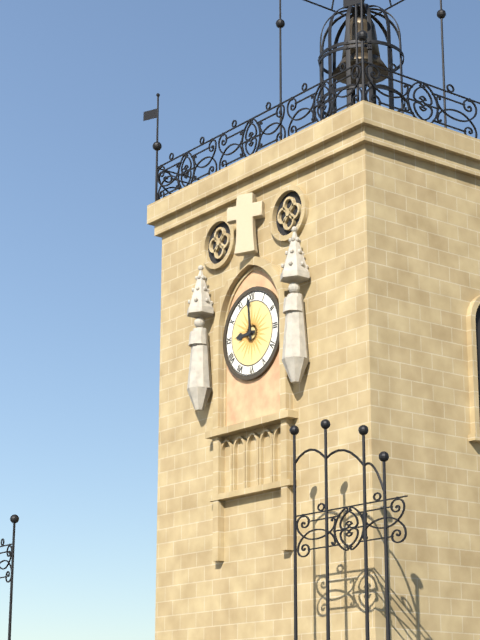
**8:59**
